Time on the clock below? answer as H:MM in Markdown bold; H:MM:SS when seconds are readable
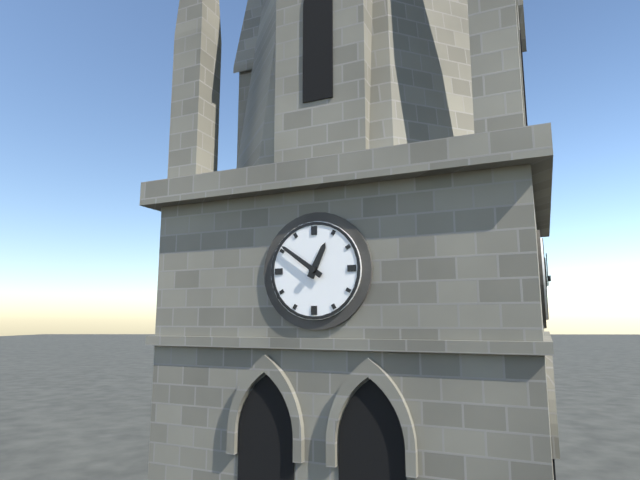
**12:51**
